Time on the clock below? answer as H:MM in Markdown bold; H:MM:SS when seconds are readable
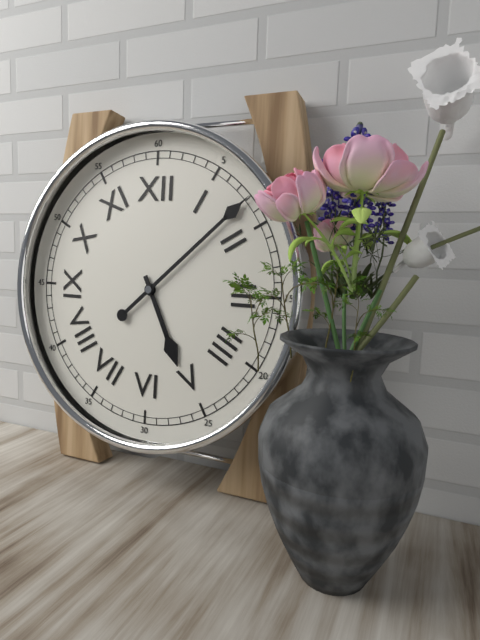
**5:08**
